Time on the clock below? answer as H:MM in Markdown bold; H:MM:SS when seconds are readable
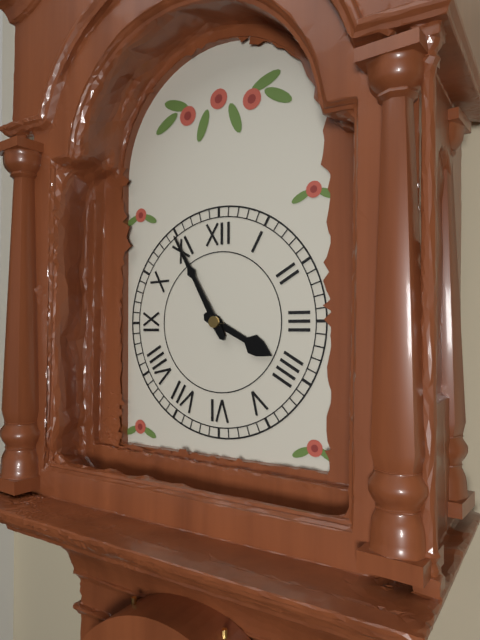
**3:55**
